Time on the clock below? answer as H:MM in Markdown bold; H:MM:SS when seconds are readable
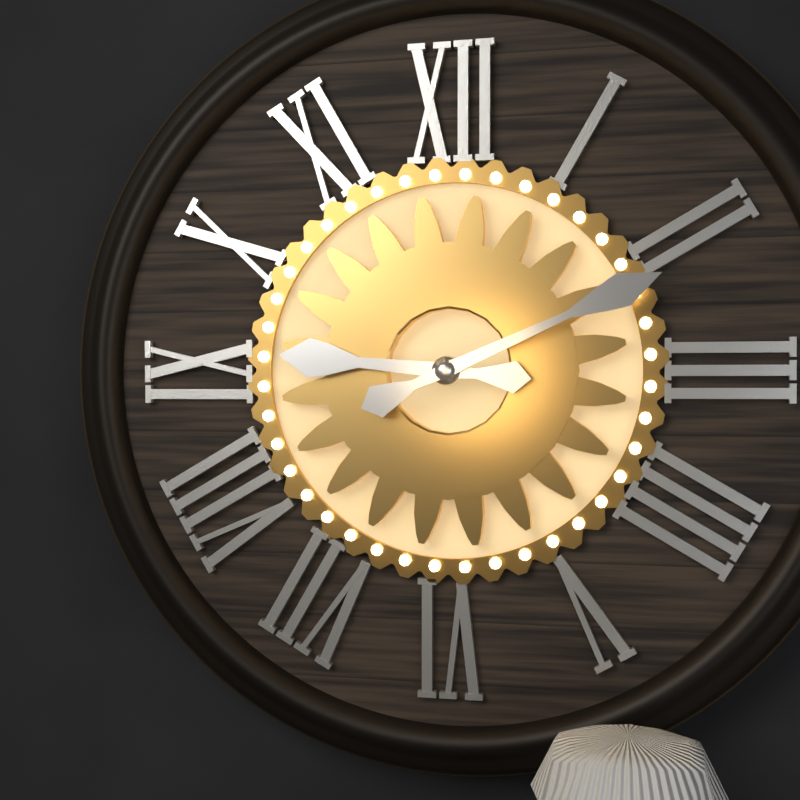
**9:11**
